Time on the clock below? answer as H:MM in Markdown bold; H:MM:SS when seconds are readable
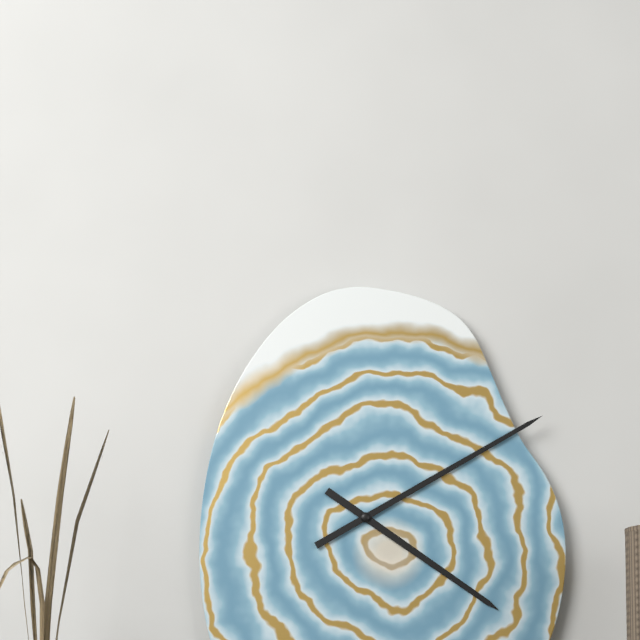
**4:10**
